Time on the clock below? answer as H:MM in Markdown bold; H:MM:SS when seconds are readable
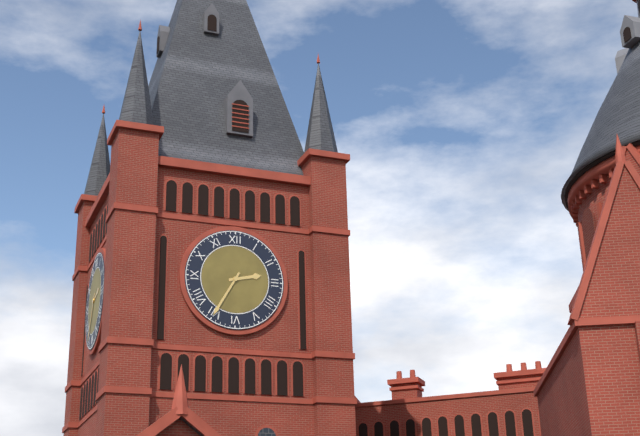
**2:35**
